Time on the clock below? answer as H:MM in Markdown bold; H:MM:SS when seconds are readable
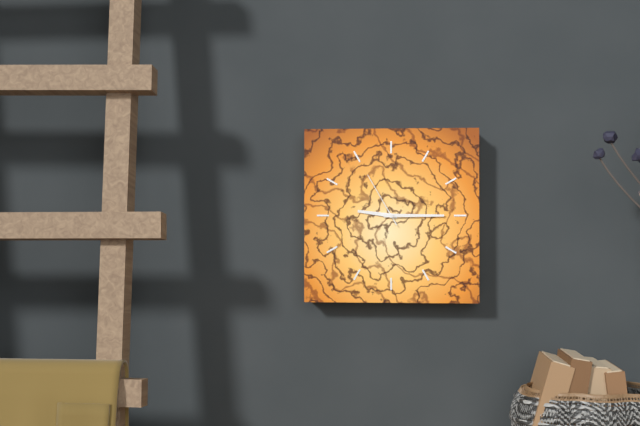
**9:15:55**
